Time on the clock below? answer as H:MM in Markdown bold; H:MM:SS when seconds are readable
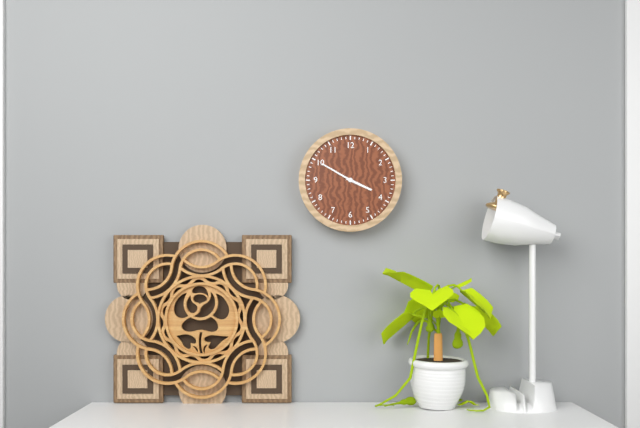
**3:50**
